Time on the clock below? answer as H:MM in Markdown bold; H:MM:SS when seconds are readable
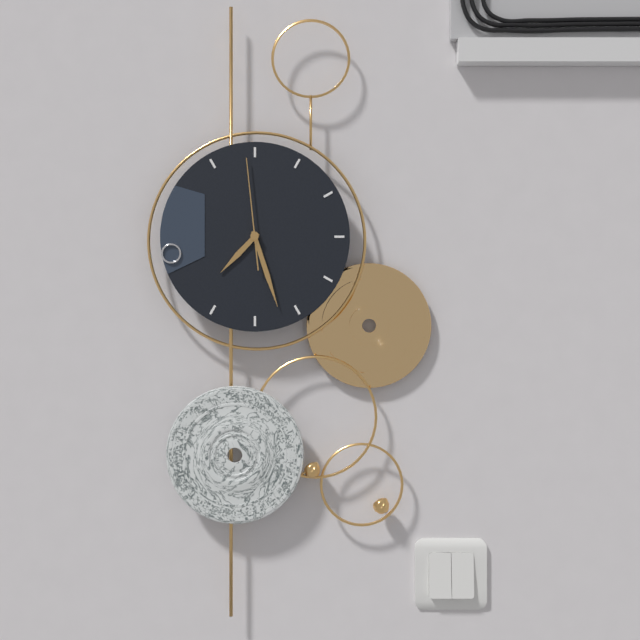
**7:27:59**
